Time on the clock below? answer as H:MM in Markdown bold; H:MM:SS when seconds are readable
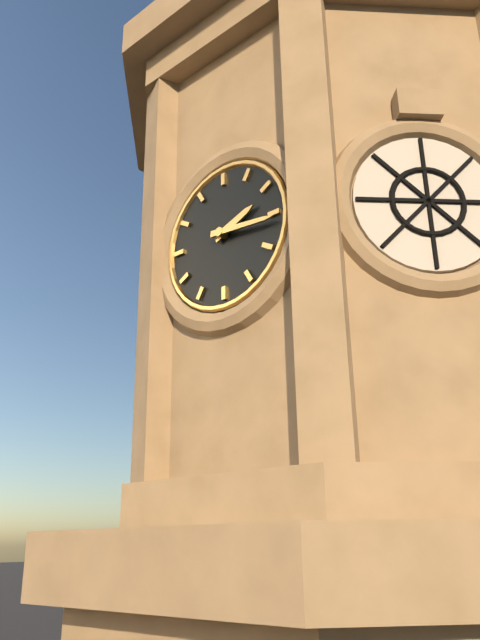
**2:16**
